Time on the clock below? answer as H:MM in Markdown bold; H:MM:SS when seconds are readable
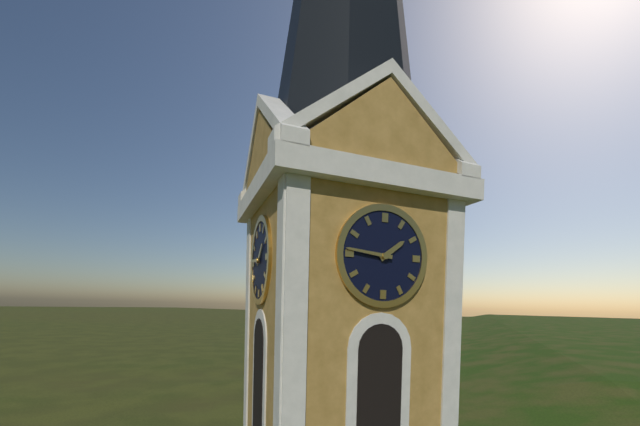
**1:46**
